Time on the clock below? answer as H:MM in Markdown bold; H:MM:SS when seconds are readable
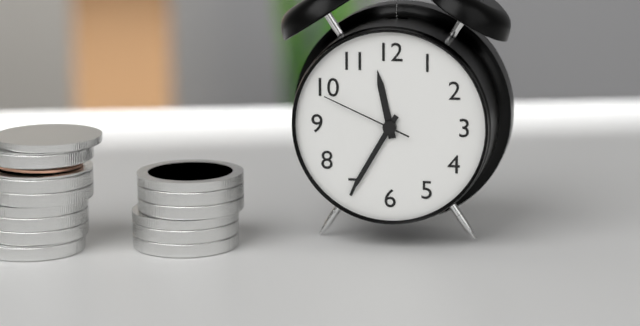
**11:35:49**
